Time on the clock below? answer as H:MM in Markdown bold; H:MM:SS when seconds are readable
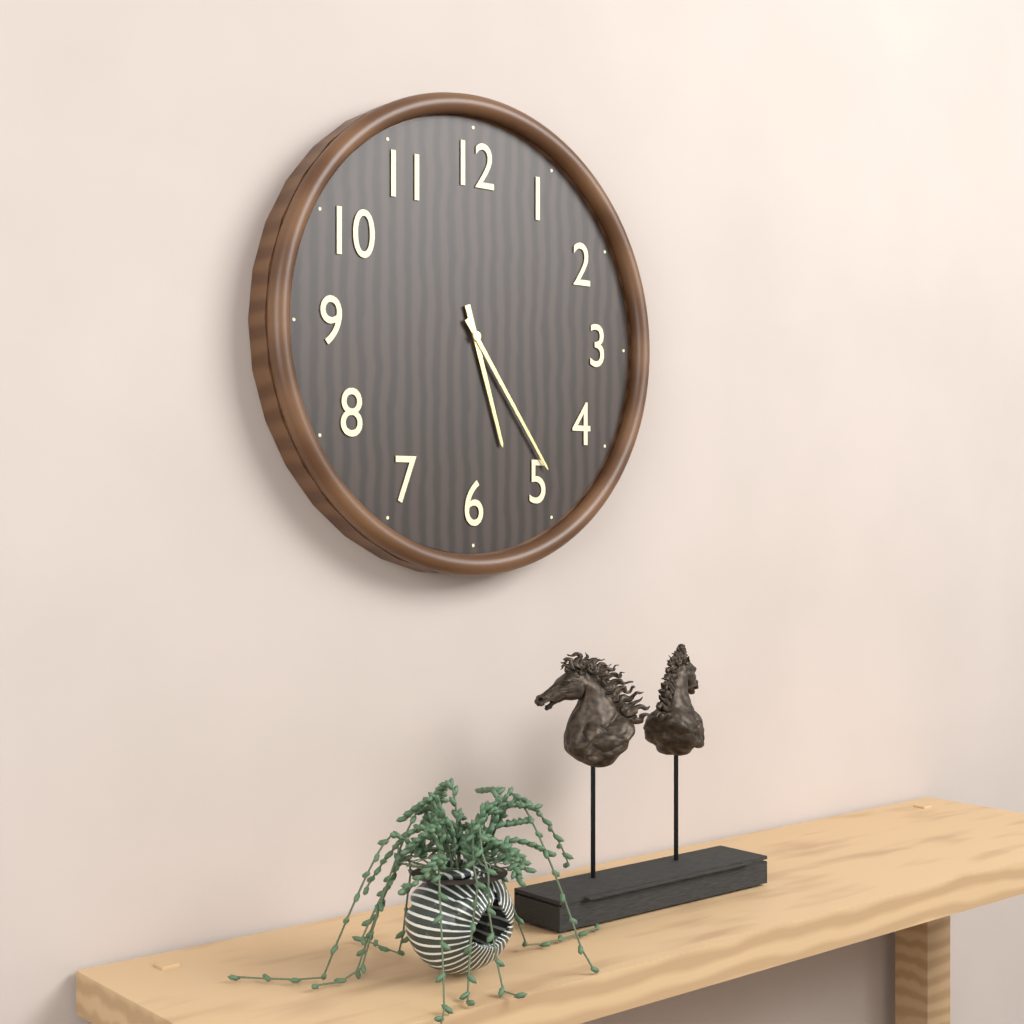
**5:24**
